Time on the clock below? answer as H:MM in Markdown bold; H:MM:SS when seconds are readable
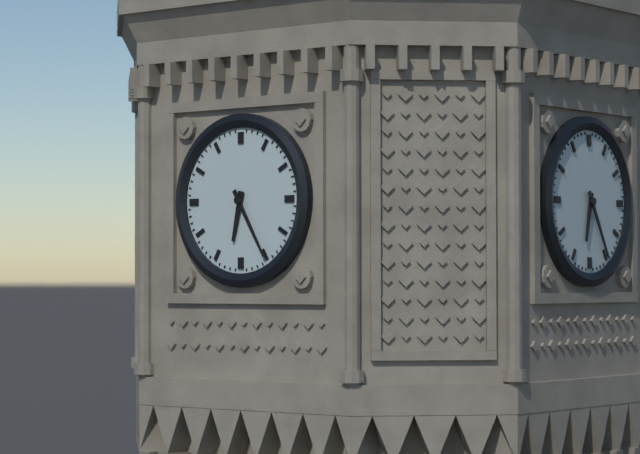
**6:25**
